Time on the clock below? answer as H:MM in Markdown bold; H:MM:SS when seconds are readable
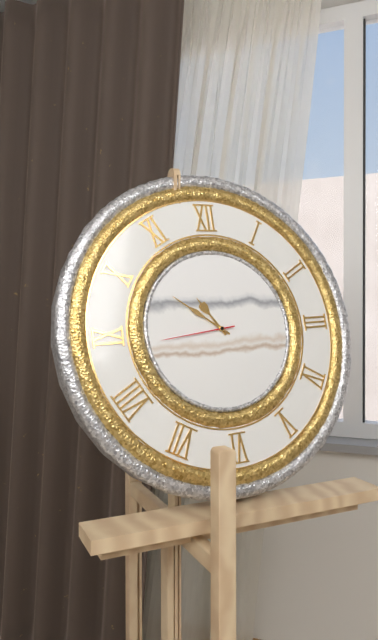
**10:51:44**
